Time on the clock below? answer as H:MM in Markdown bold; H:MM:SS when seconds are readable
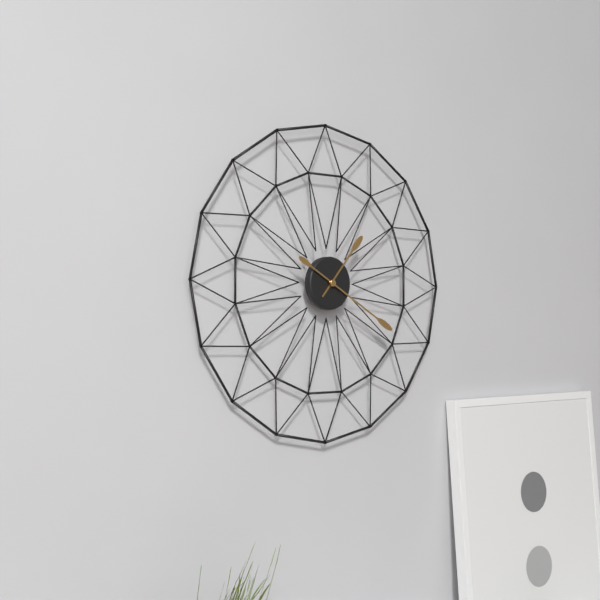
**1:20**
